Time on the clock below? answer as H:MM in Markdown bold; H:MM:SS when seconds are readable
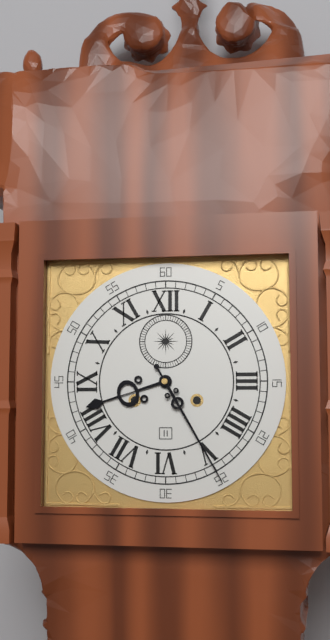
**8:25**
